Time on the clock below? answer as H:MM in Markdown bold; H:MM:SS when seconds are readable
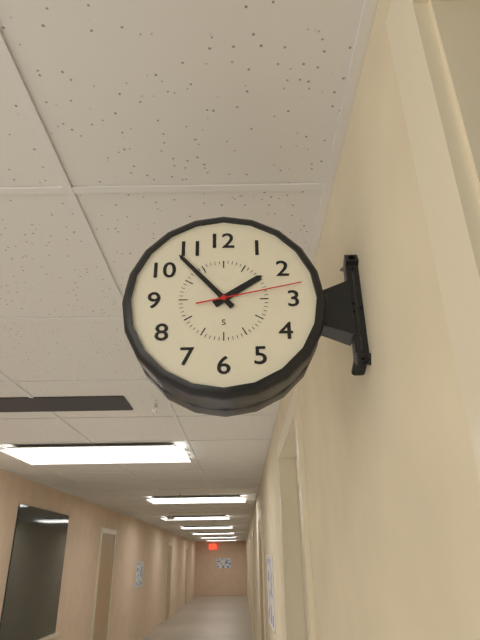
**1:53:13**
